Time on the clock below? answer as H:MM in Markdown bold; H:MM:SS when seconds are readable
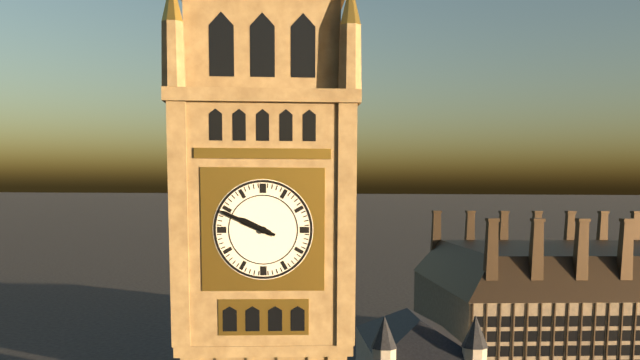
**9:49**
